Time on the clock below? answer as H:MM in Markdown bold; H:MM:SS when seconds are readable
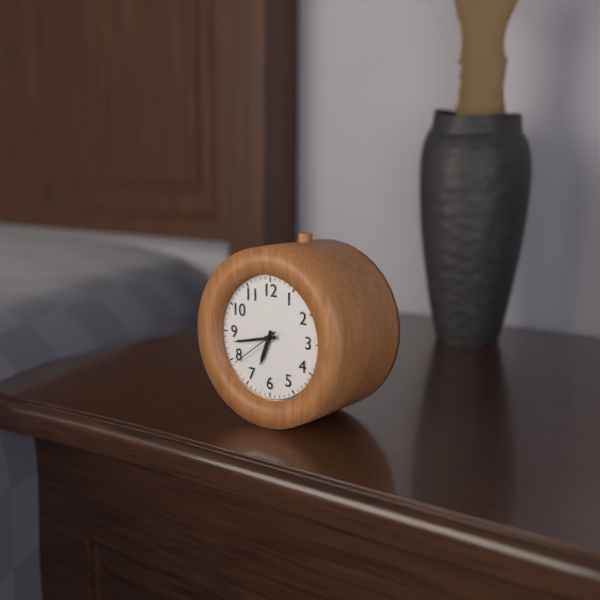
**6:43:39**
